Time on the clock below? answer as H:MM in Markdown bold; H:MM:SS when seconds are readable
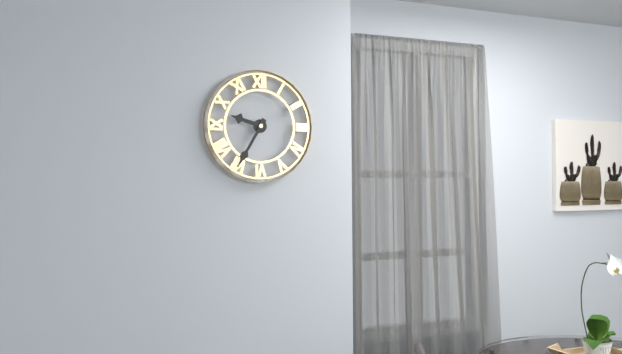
**9:35**
